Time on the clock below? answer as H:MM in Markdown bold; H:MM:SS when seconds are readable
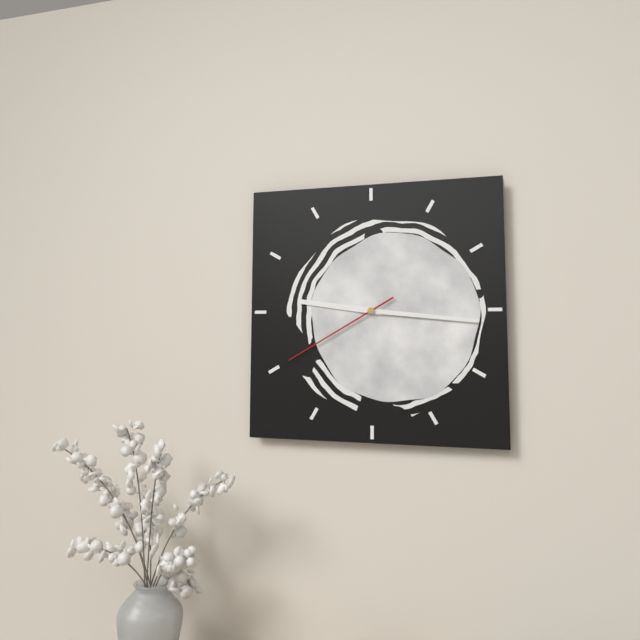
**9:16:40**
